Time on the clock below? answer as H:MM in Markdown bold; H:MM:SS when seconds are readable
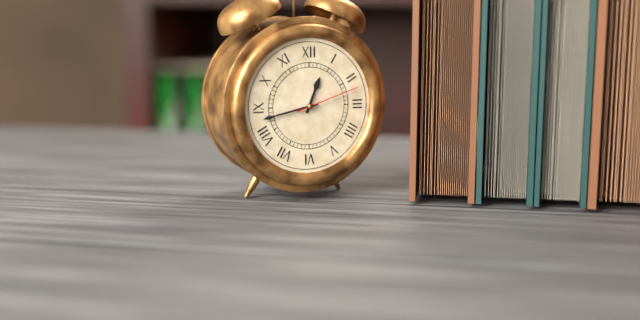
**12:43:12**
